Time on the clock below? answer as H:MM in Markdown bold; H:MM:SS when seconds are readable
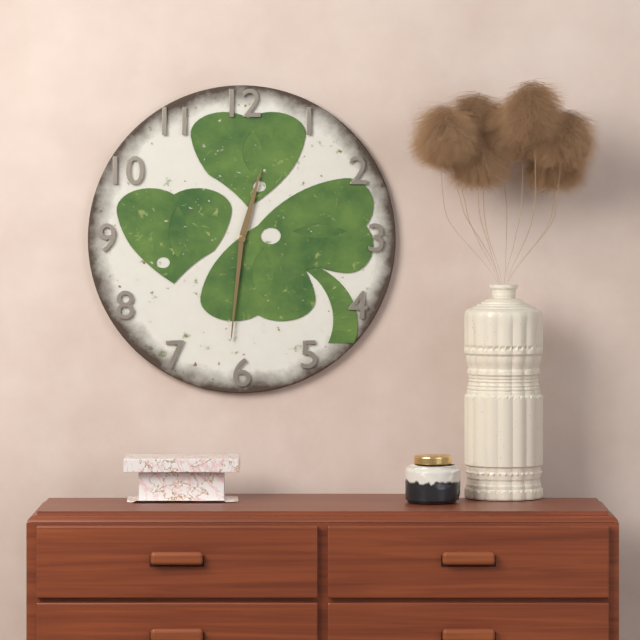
**12:31**
